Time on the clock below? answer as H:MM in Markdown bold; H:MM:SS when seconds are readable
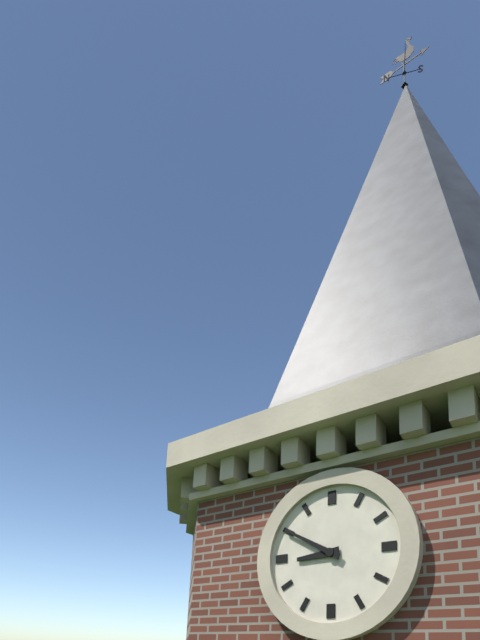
**8:50**
